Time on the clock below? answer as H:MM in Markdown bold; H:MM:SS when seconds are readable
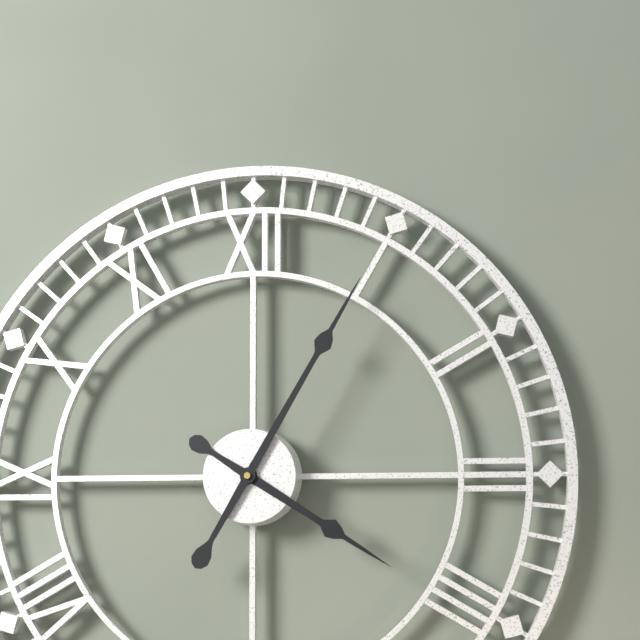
**4:05**
